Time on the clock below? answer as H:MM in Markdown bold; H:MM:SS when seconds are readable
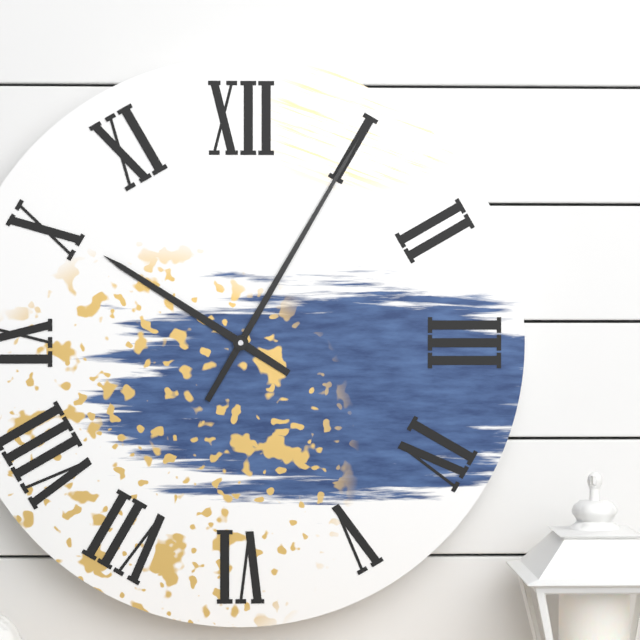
**10:05**
